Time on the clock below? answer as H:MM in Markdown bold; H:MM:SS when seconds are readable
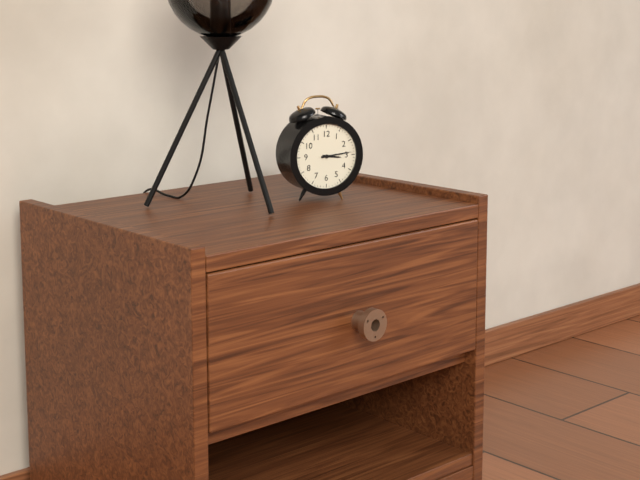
**3:14**
